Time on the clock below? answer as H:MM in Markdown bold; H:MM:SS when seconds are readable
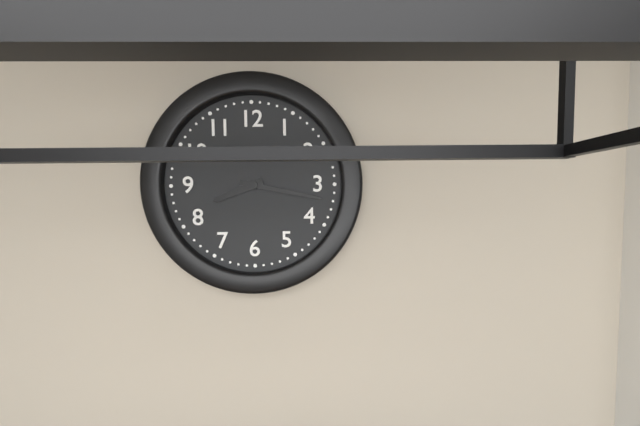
**8:17**
